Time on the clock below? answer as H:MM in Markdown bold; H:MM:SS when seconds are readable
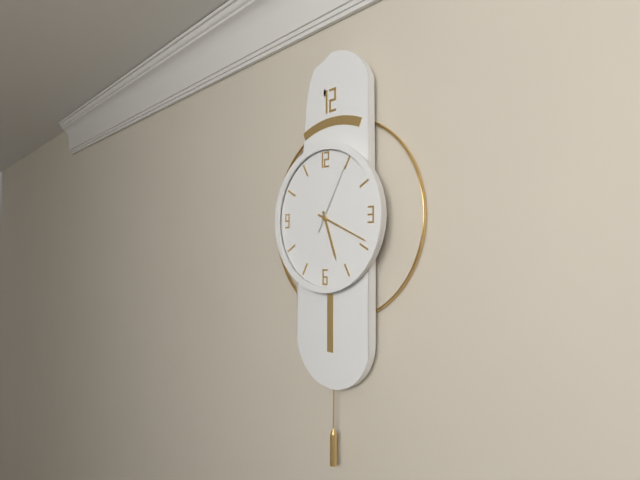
**5:19:05**
